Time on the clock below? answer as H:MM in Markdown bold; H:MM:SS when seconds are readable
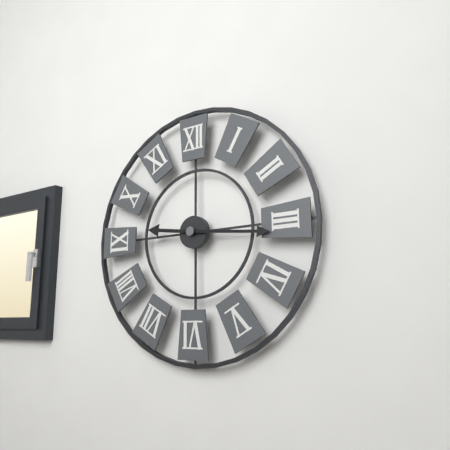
**9:16**
